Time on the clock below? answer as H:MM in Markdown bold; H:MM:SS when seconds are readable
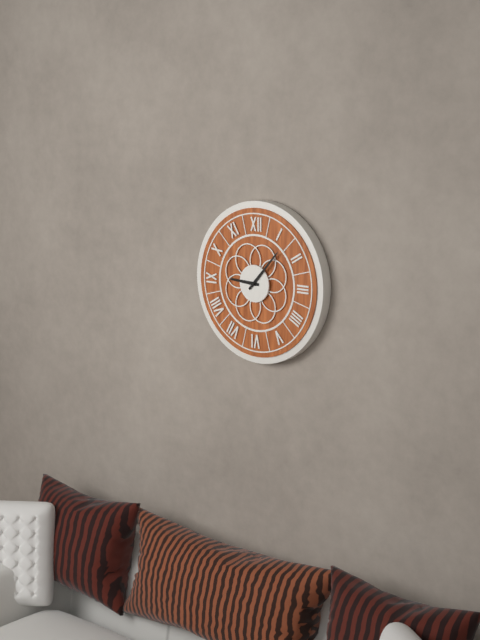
**9:07**
